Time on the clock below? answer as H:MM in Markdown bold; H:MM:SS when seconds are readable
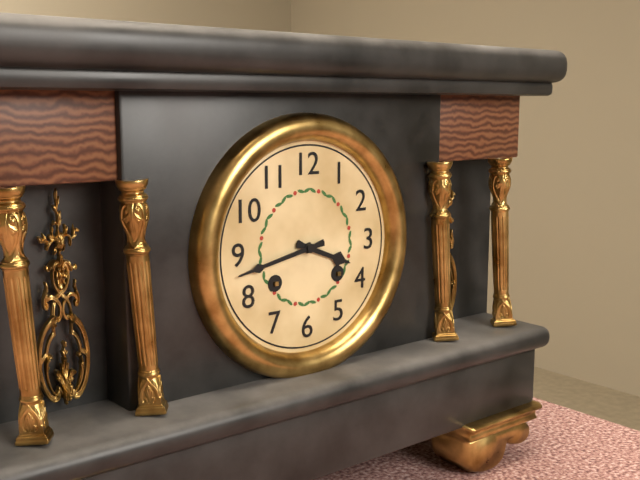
**3:43**
